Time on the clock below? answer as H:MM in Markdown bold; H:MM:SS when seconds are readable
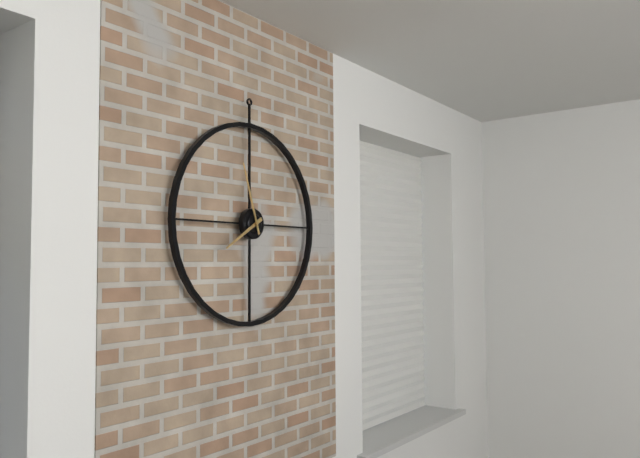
**7:57**
